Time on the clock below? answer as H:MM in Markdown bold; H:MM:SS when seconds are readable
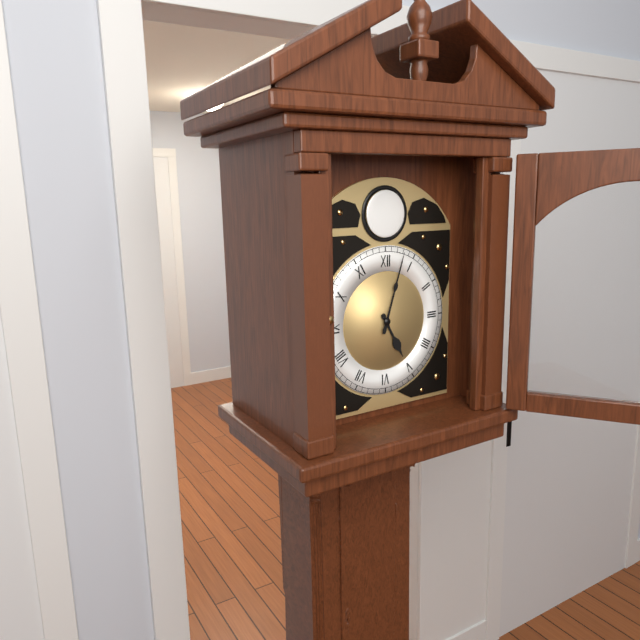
**5:03**
